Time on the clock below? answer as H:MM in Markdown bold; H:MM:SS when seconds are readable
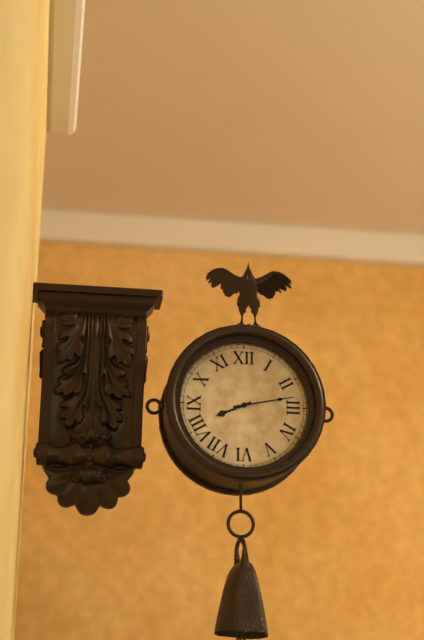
**8:13**
